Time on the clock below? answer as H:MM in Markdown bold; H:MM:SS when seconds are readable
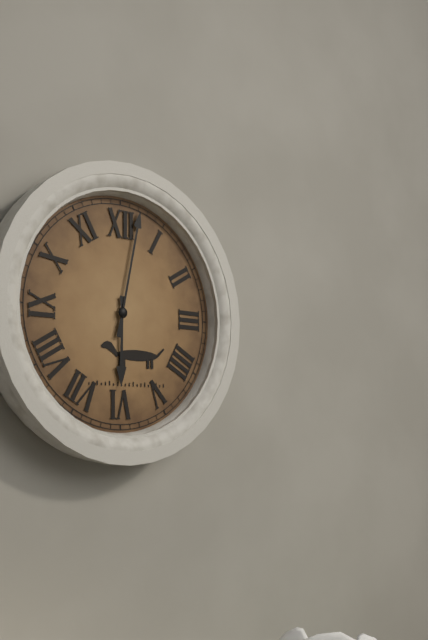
**6:02**
